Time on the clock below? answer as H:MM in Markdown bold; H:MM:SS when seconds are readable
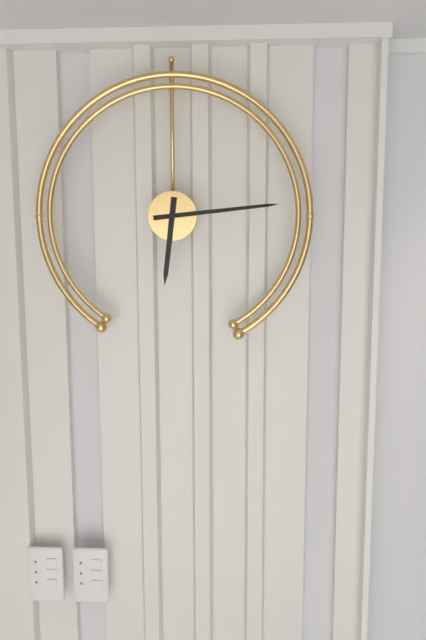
**6:14**
